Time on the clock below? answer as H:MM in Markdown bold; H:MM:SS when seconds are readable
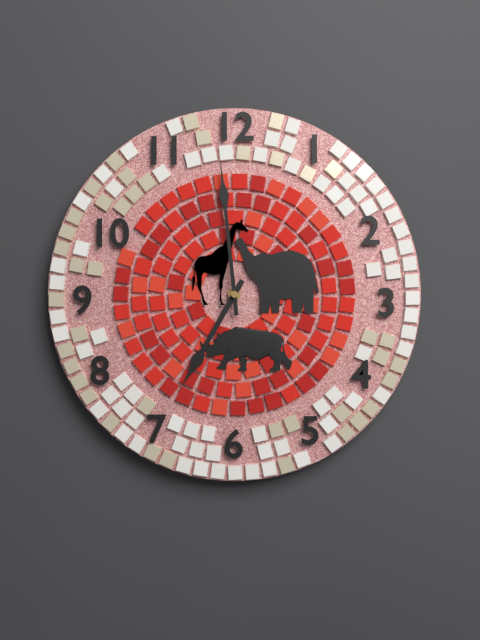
**6:59**
